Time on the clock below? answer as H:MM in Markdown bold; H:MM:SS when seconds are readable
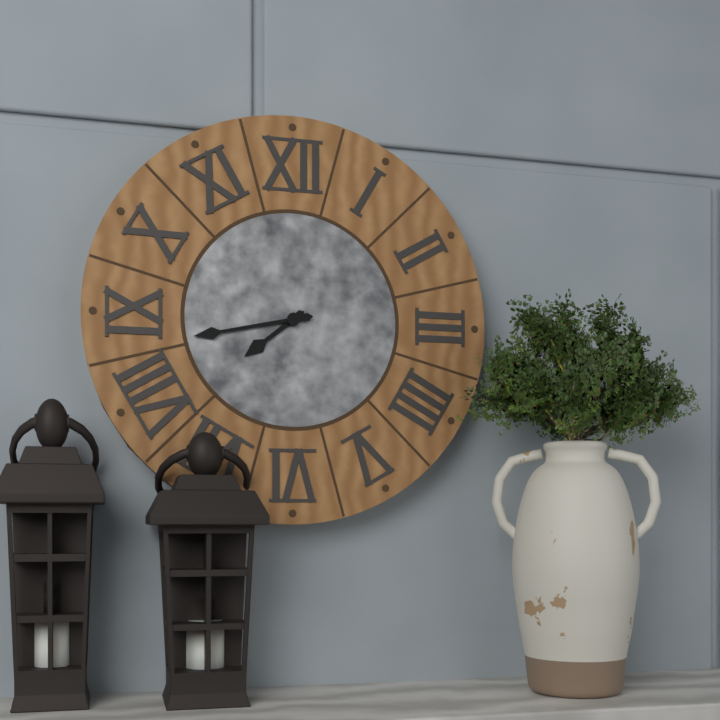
**7:43**
